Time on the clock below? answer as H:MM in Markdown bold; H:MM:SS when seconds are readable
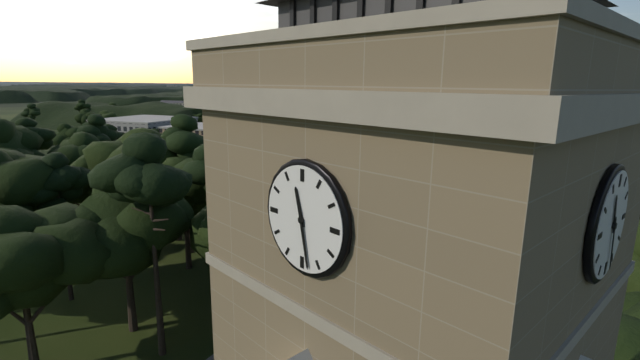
**11:28**
